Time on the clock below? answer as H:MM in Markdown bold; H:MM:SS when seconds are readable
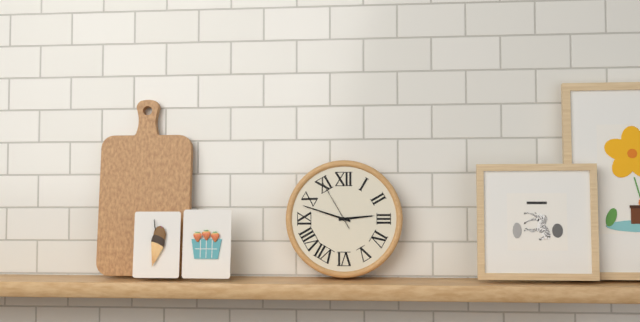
**2:48:55**
